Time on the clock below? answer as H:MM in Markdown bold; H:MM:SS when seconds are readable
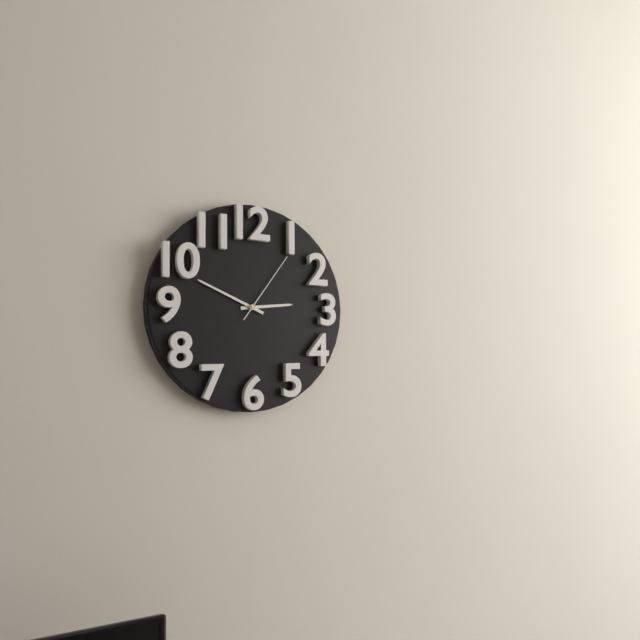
**2:49:06**
